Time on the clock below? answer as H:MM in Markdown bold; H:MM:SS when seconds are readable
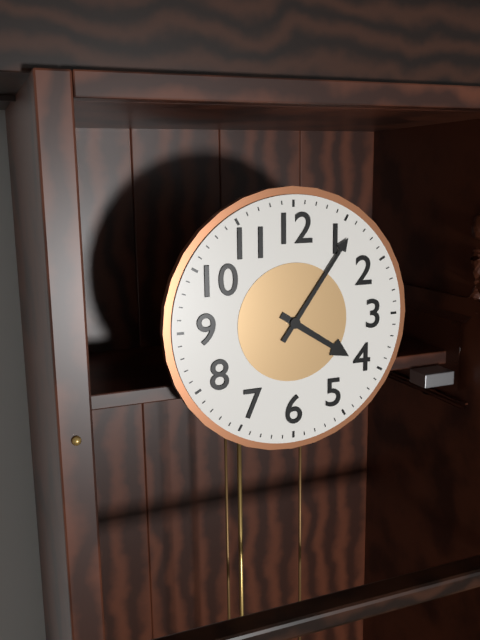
**4:06**
